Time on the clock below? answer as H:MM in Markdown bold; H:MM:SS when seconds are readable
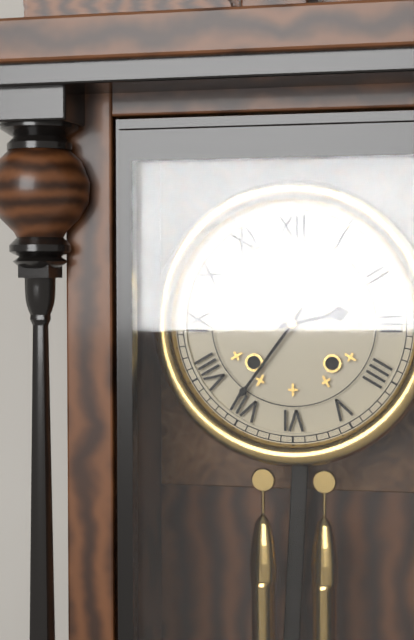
**2:36**
